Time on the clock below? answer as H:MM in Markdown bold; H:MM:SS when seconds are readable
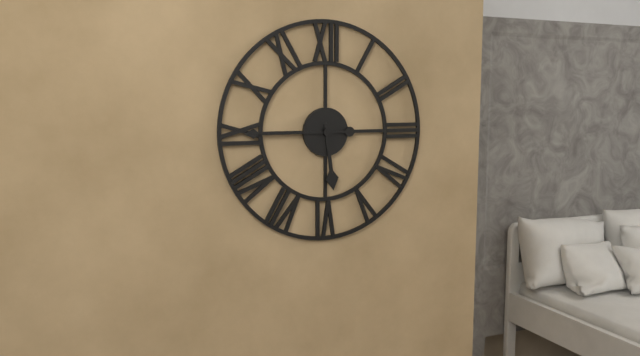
**5:45**
